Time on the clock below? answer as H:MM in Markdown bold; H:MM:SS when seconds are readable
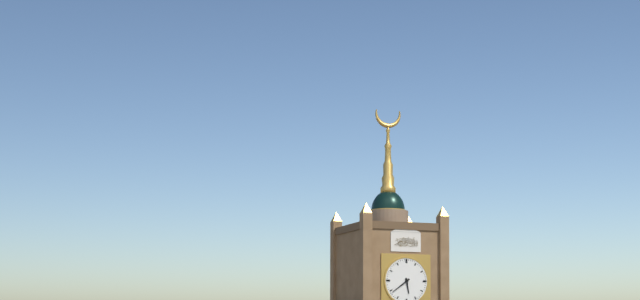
**5:39**
